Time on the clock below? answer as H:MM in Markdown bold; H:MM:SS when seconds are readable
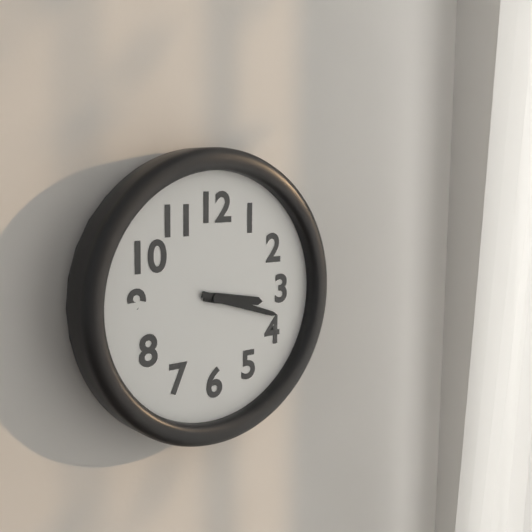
**3:18**
